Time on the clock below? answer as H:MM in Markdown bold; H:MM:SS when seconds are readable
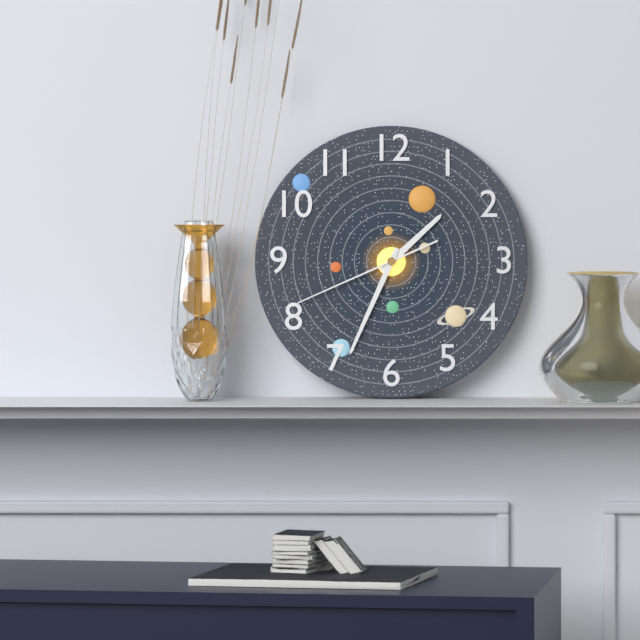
**1:34:41**
